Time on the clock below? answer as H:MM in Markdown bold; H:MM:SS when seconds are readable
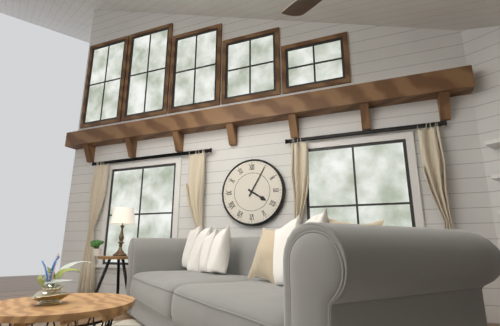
**4:05**
